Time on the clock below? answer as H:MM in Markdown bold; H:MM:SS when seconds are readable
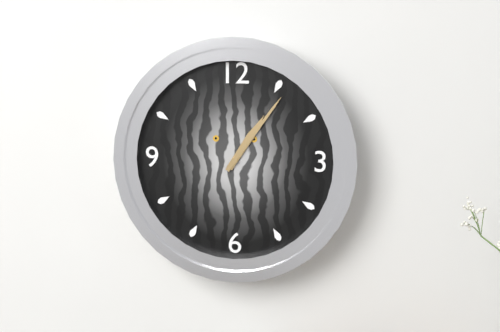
**1:06**
